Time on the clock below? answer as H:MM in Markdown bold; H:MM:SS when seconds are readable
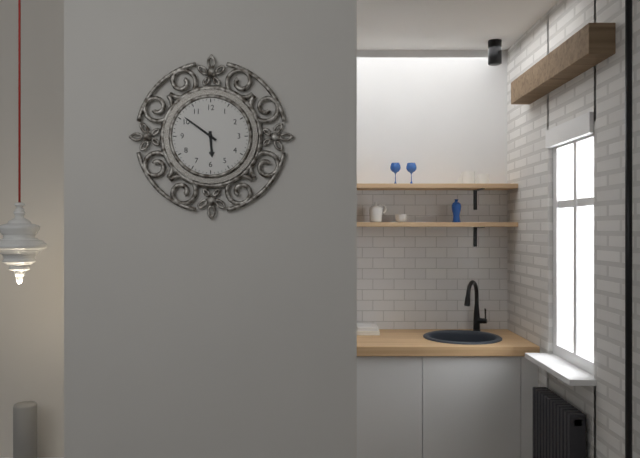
**5:51**
